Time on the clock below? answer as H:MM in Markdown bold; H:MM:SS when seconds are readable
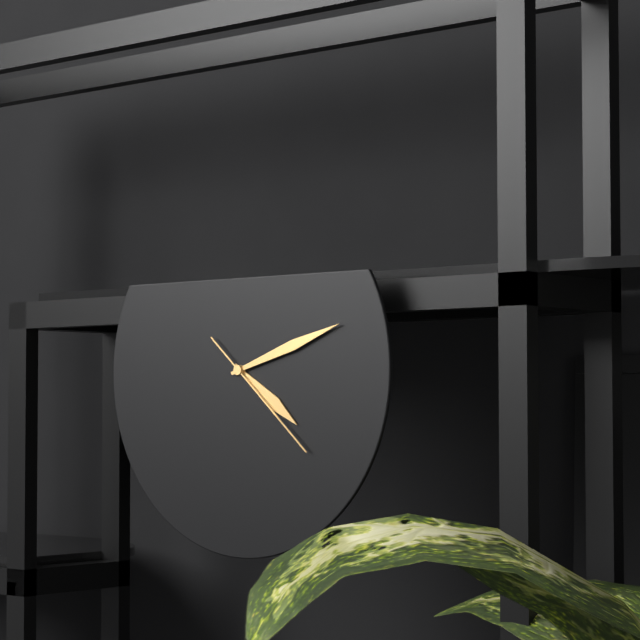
**4:12:22**
